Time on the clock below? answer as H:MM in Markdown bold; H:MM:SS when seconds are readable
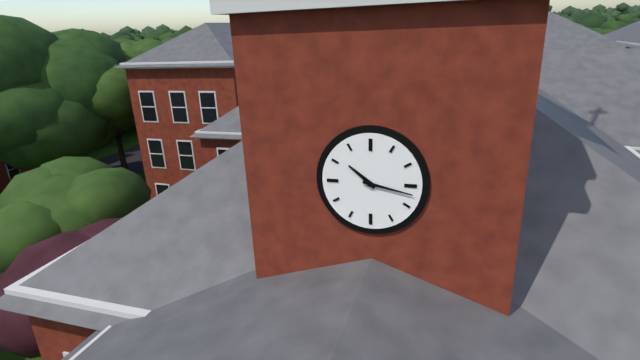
**10:17**
